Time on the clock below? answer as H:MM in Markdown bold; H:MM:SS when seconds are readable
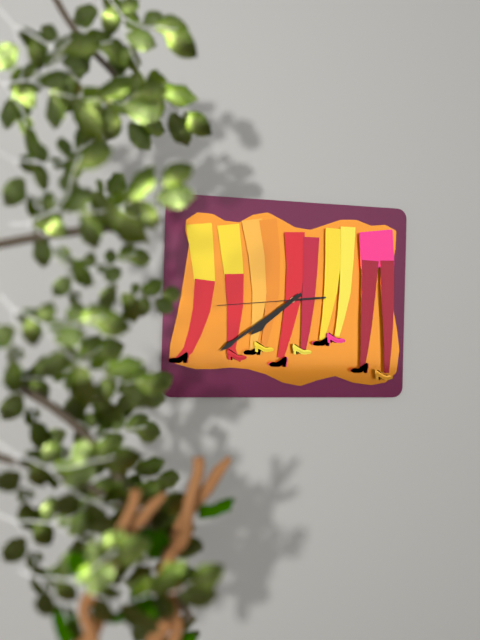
**7:39:44**
